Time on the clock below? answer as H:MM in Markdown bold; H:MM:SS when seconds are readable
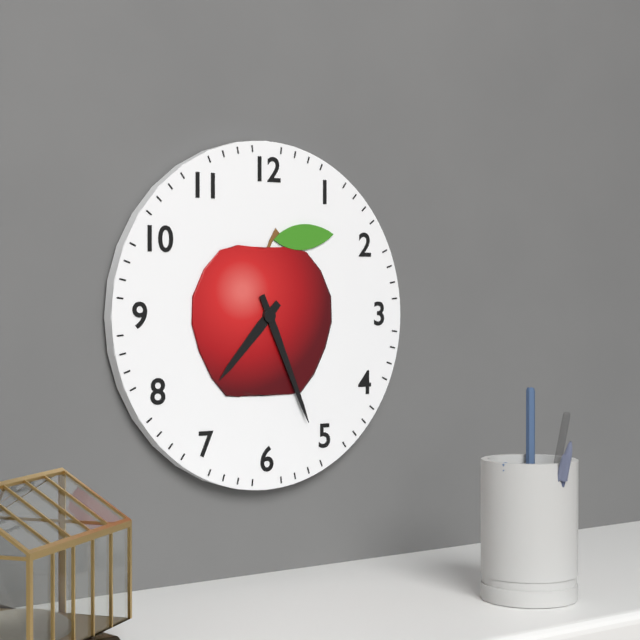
**7:26**
